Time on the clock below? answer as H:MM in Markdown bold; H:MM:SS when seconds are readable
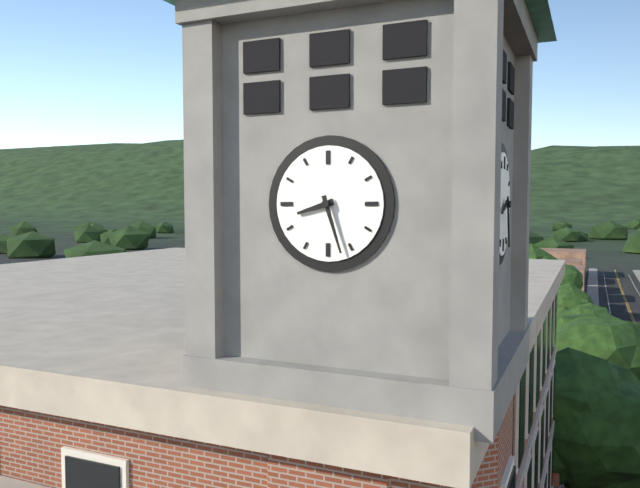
**8:27**
